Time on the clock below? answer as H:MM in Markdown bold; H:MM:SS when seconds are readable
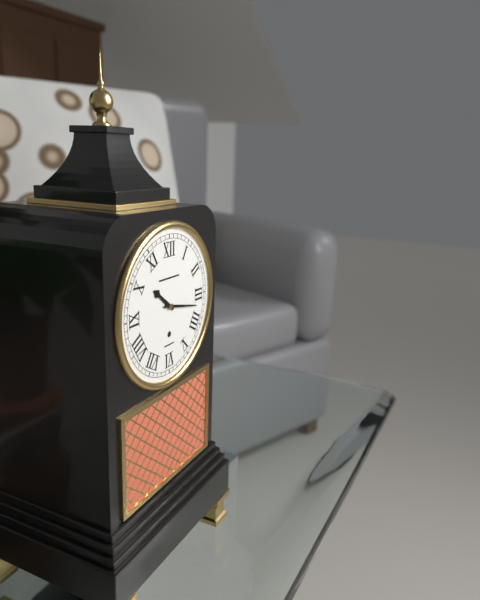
**10:17**
